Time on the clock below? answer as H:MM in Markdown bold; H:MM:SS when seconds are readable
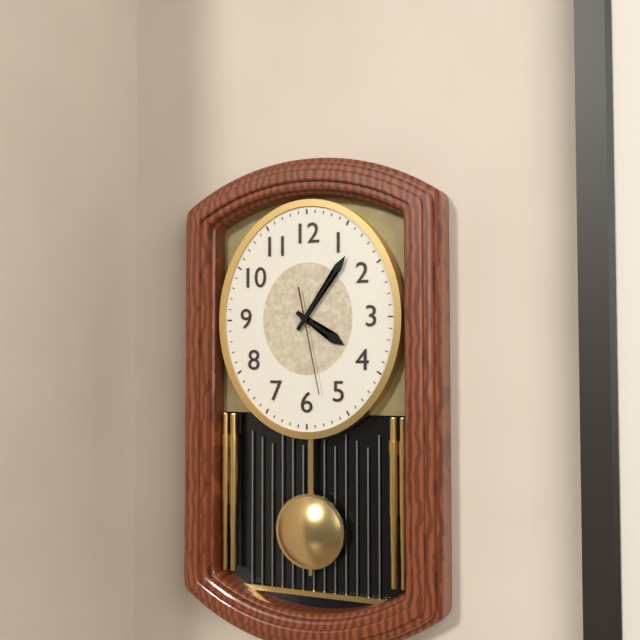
**4:06:28**
